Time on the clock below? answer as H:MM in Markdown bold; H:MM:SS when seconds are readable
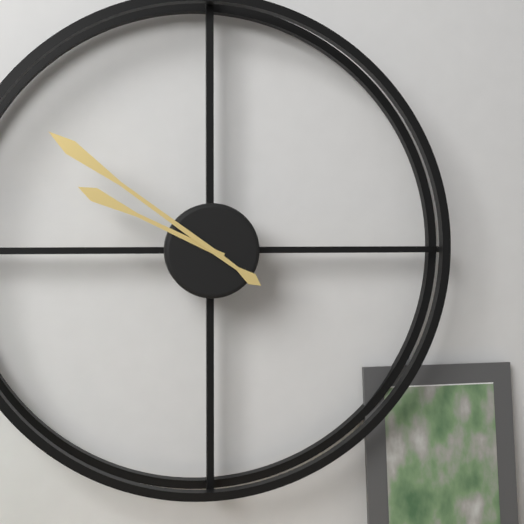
**9:51**
